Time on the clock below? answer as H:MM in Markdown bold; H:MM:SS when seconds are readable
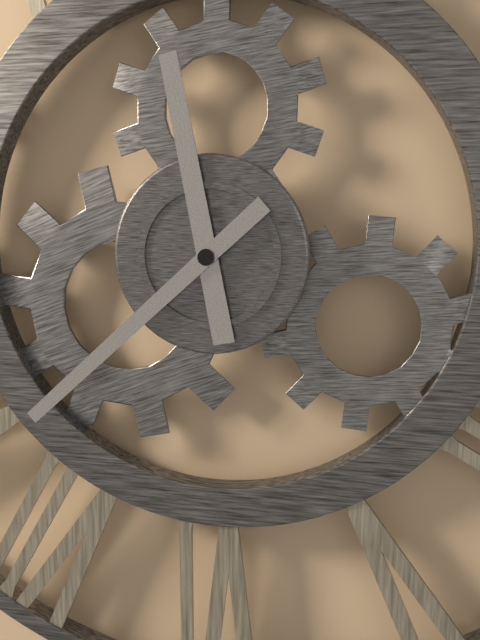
**11:38**
